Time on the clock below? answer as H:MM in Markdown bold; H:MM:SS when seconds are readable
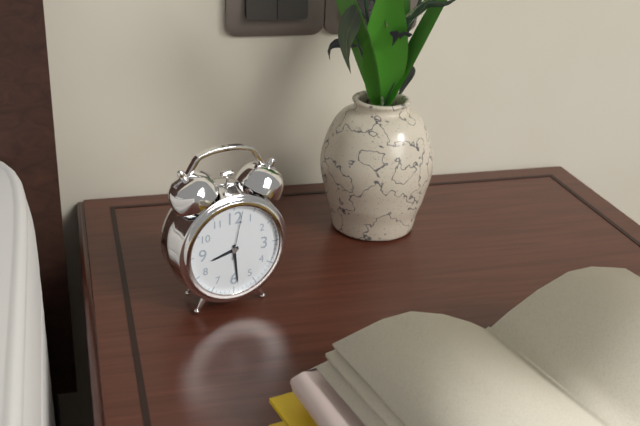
**8:29:02**
